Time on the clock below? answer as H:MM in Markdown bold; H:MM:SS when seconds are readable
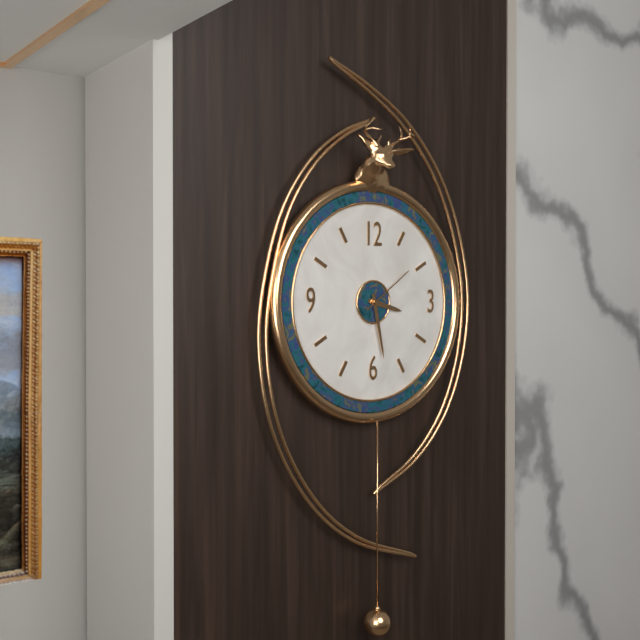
**3:28:09**
